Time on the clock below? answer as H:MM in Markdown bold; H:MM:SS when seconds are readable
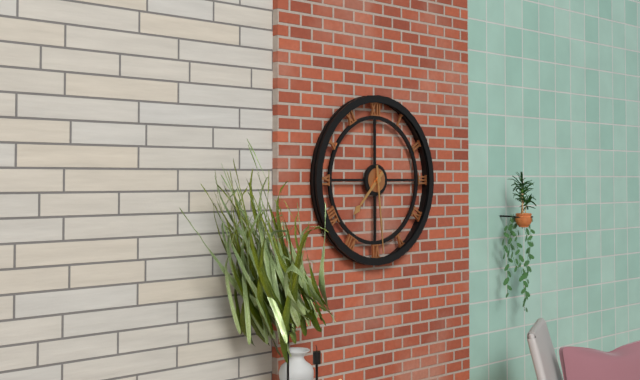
**7:29**
